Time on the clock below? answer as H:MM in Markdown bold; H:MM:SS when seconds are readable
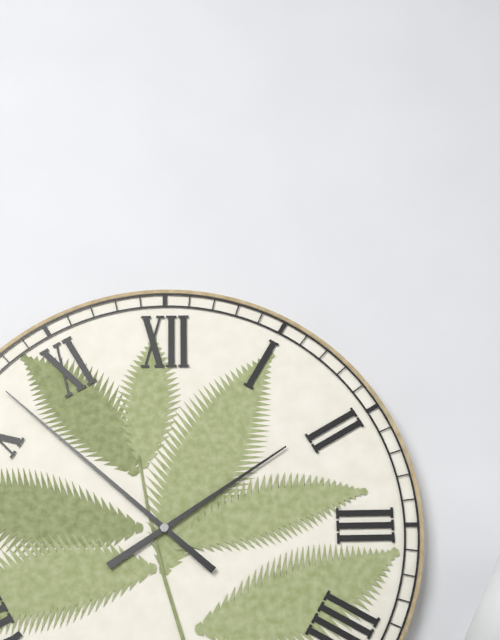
**1:52**
